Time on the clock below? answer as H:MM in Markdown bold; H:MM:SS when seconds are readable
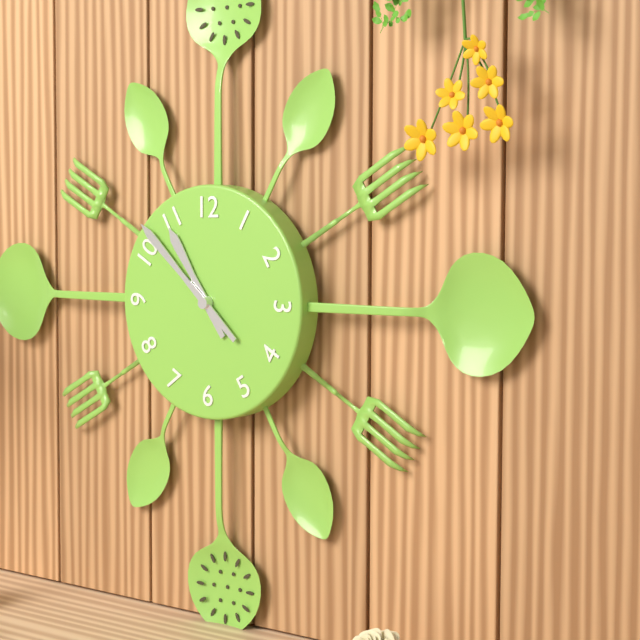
**10:52**
